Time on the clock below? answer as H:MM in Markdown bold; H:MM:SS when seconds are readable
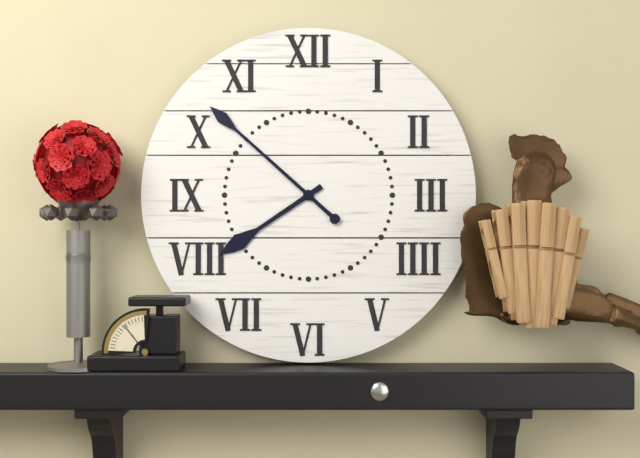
**7:52**
